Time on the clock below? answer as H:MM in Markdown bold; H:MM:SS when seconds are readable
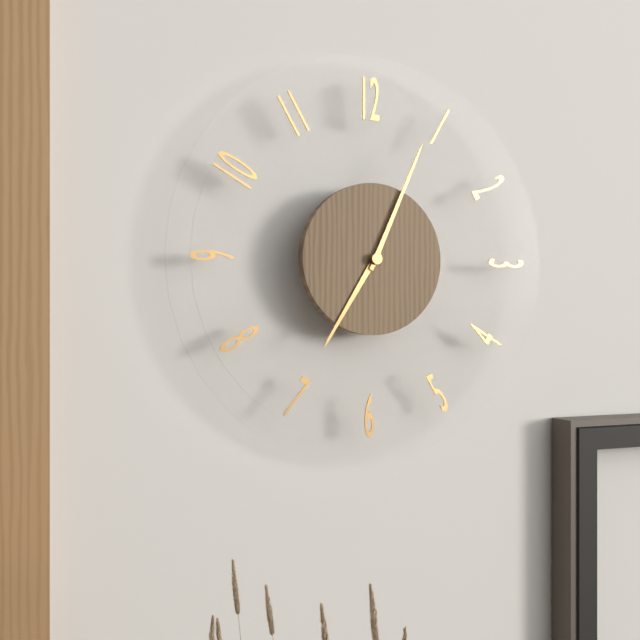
**7:04**
